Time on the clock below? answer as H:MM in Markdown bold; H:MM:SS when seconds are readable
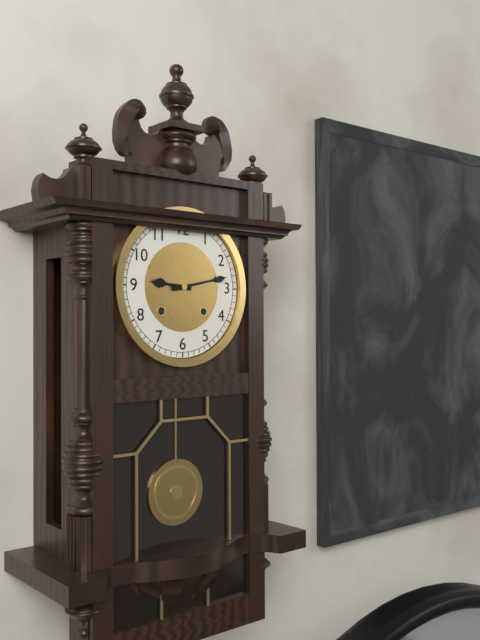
**9:13**
